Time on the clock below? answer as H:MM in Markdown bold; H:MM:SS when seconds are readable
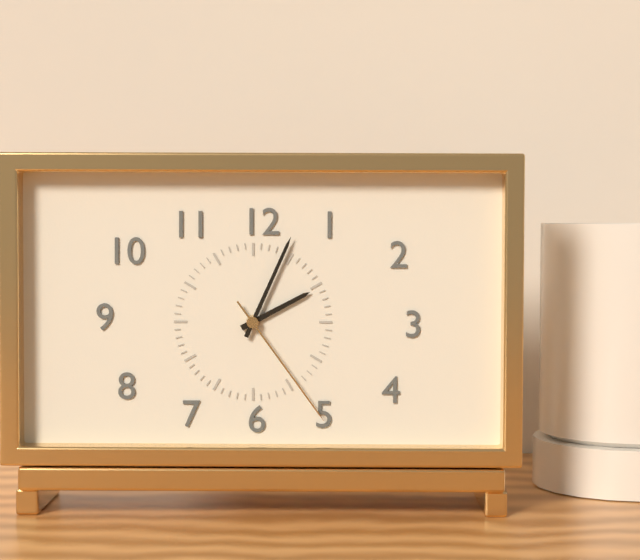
**2:04:24**
